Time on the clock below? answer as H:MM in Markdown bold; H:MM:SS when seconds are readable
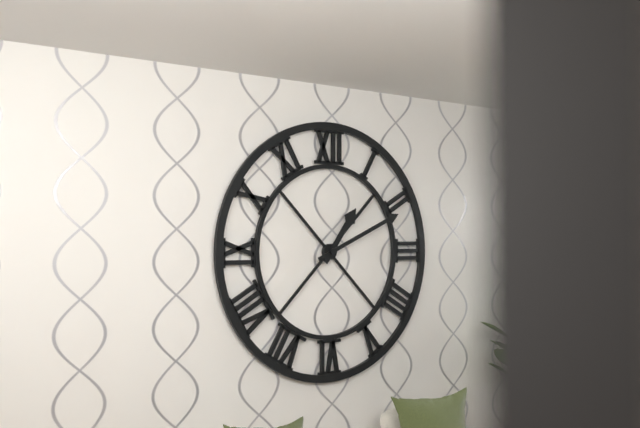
**1:11**
